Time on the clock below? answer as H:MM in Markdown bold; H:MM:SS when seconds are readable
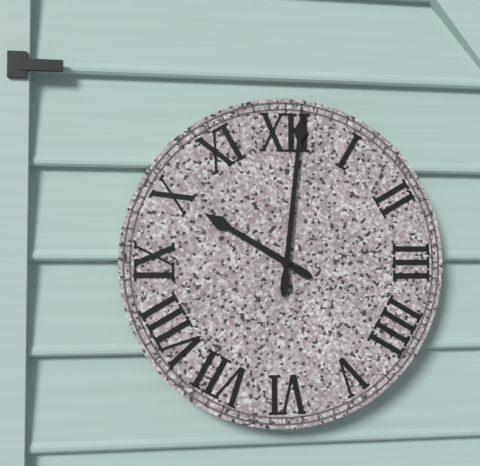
**10:01**
